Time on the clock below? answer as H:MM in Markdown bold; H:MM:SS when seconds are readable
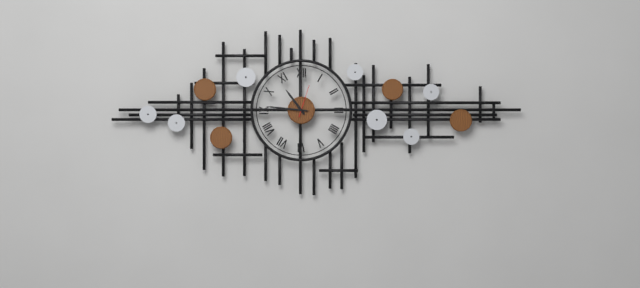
**10:46**
